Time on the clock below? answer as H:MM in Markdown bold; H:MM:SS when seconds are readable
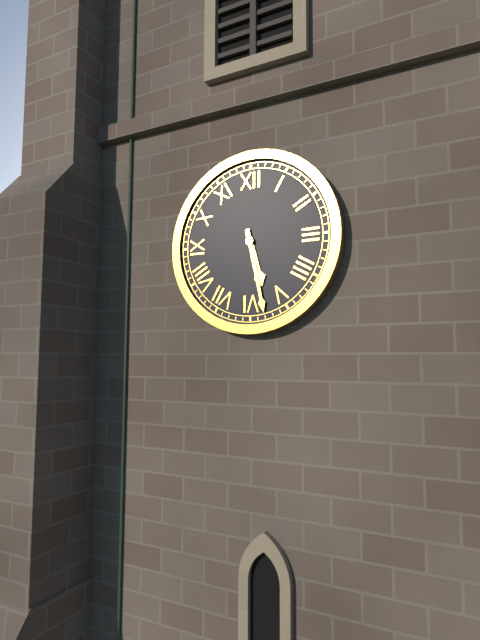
**5:28**
